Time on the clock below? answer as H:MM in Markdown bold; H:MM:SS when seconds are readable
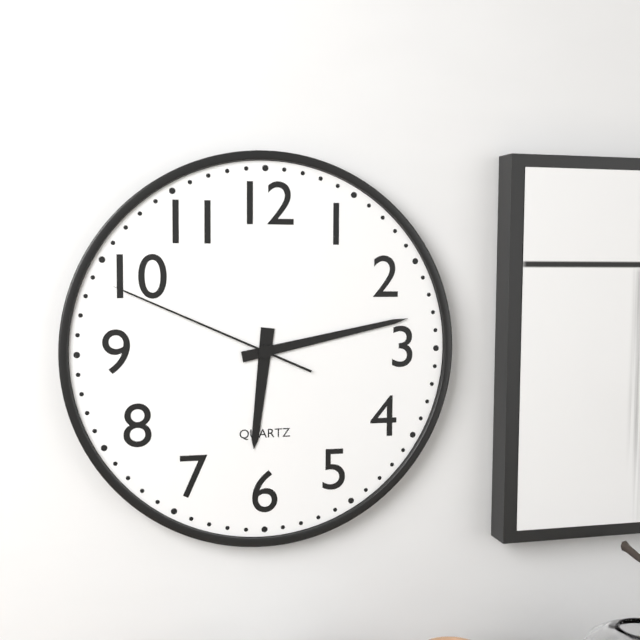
**6:13:49**
